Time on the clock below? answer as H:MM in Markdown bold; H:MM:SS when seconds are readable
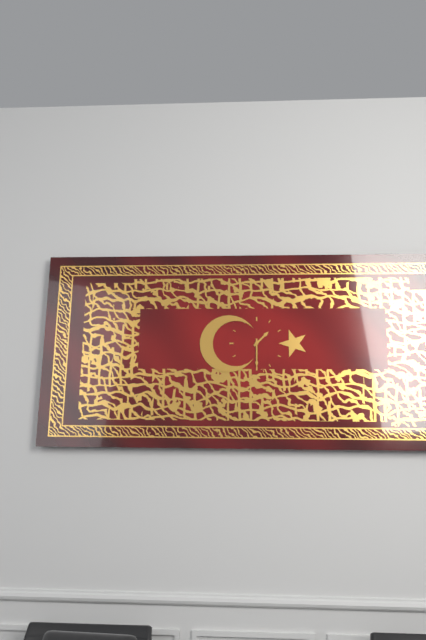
**1:30**
